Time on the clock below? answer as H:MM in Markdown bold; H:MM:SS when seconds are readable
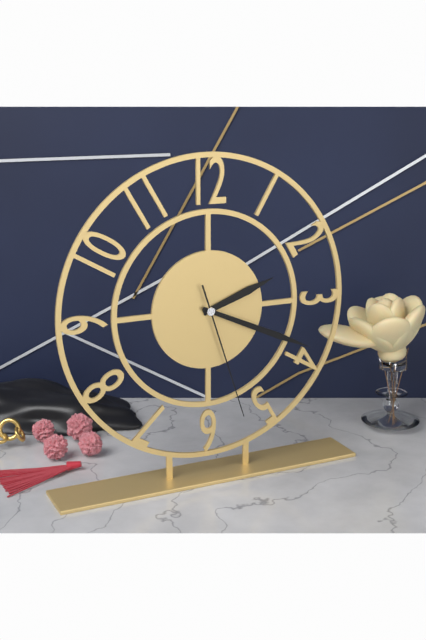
**2:19:27**
